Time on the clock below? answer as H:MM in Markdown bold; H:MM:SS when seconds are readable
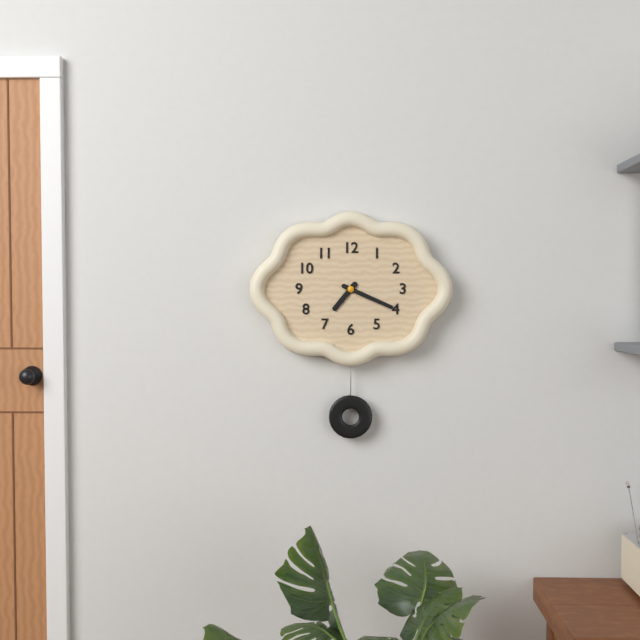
**7:19**
